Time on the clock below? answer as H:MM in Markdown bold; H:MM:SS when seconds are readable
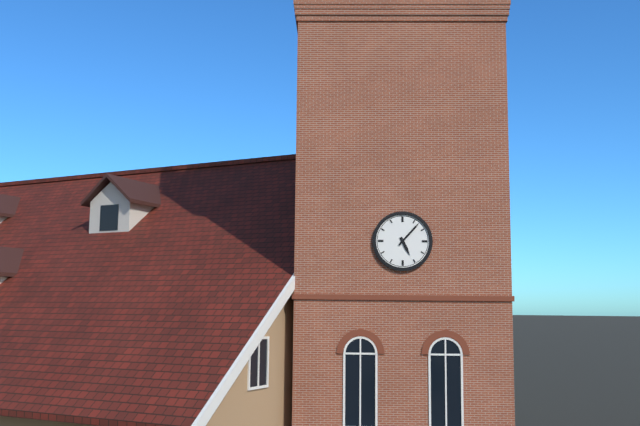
**5:07**
